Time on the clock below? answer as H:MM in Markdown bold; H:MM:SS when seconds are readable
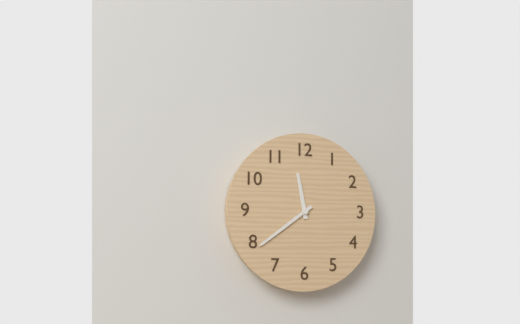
**11:39**
